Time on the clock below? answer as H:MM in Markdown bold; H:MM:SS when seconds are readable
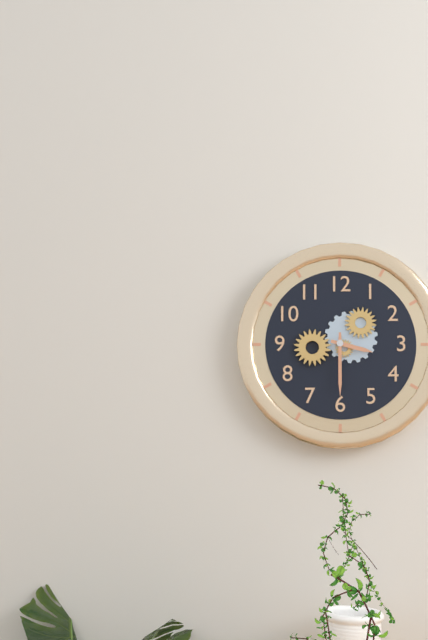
**3:30**
